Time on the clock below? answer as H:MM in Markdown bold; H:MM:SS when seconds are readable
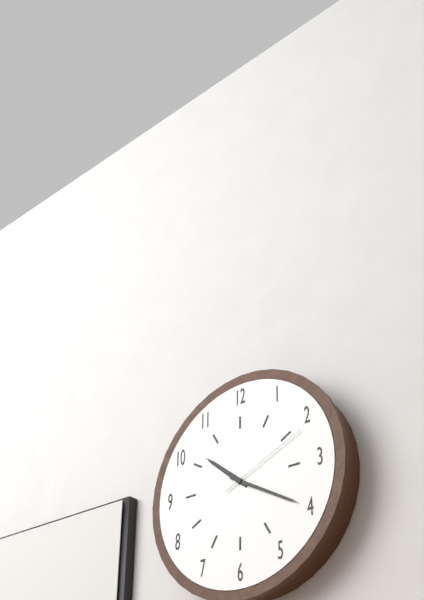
**10:20:11**
